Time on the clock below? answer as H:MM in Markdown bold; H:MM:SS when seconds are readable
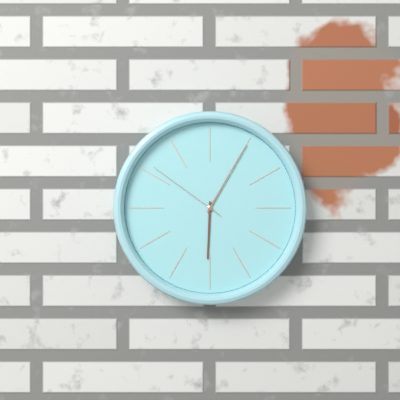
**6:05:51**
